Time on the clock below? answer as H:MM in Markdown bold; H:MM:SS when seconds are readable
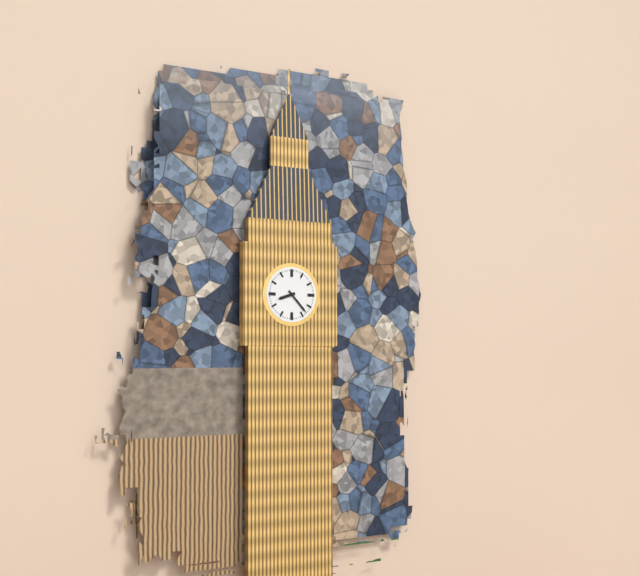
**8:23**
